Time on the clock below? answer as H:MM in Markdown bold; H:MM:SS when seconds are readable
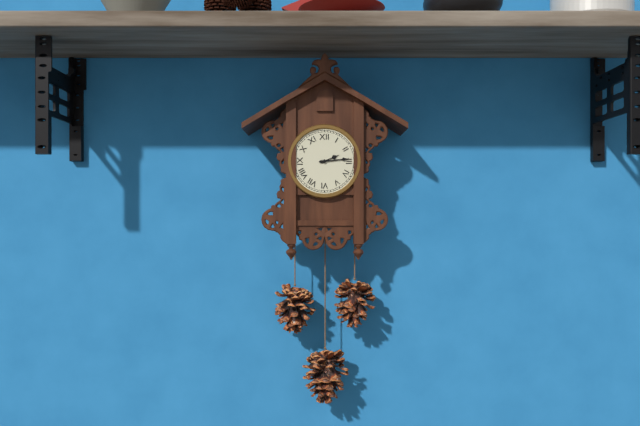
**2:14**
